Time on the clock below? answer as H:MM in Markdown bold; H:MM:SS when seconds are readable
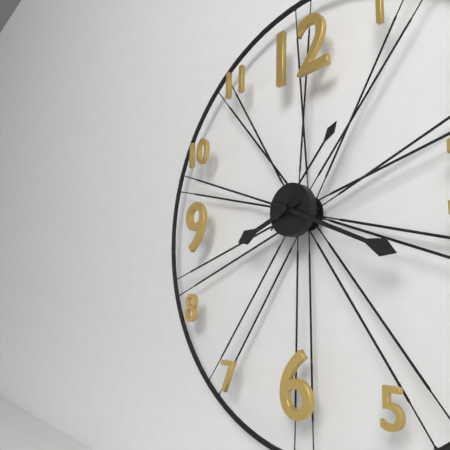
**8:19:07**
